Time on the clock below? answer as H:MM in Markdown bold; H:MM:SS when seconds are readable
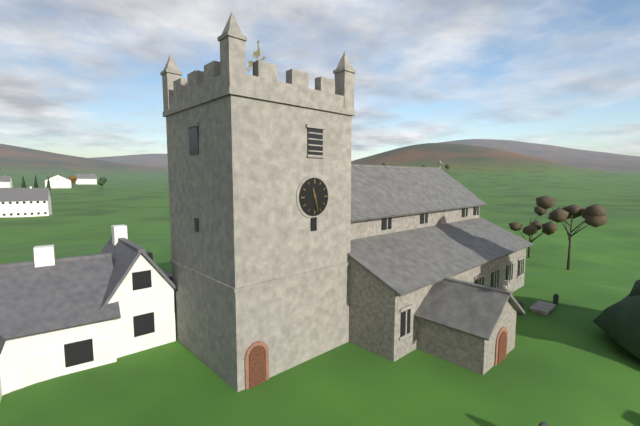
**11:28**
